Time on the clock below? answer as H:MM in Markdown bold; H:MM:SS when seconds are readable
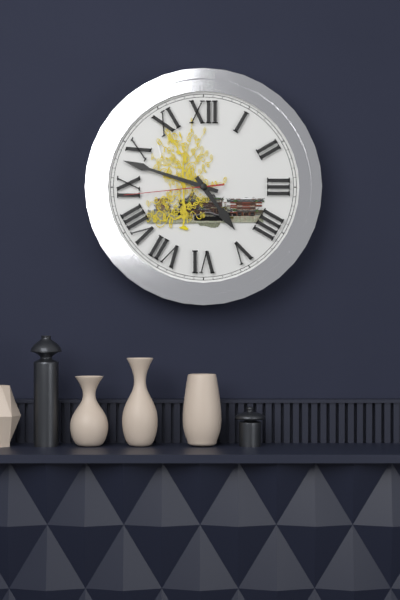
**4:48:44**
